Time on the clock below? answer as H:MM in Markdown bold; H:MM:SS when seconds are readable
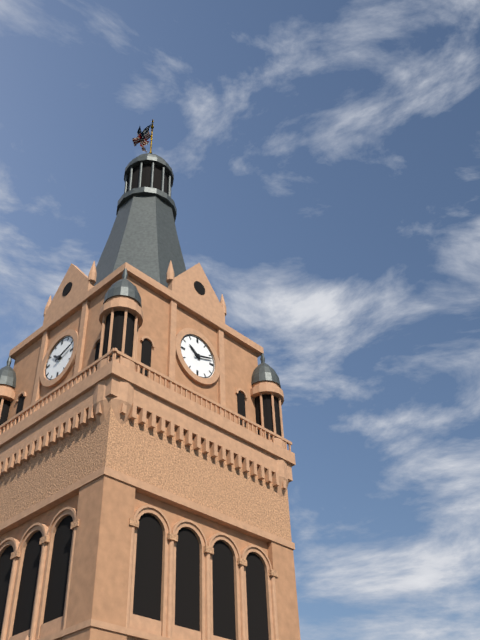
**10:12**
